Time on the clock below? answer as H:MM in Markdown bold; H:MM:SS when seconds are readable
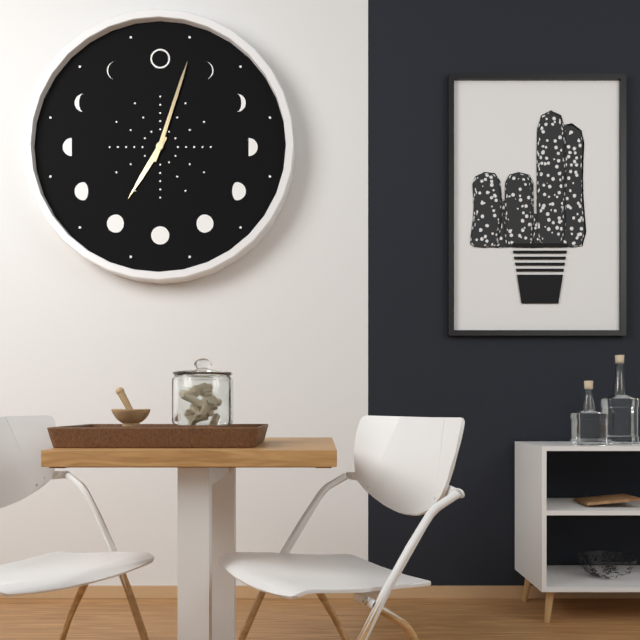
**7:03**
